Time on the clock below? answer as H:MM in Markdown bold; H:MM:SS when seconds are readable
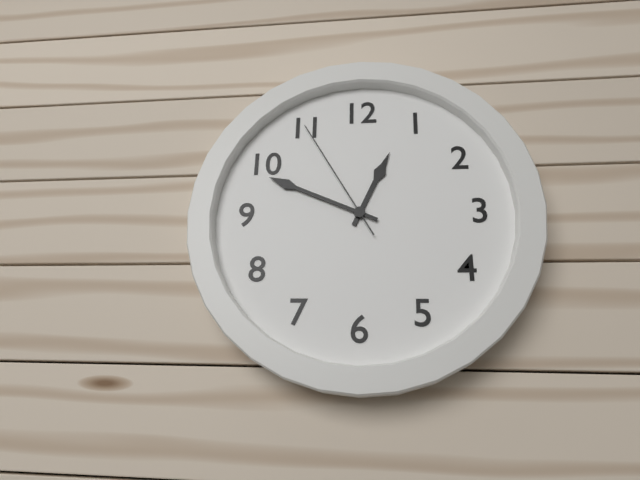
**12:49:55**
